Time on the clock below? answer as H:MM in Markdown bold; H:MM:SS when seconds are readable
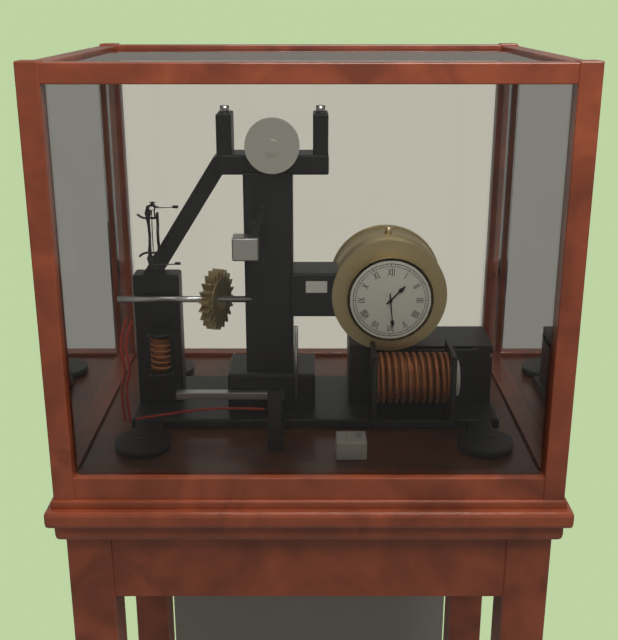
**1:29**
